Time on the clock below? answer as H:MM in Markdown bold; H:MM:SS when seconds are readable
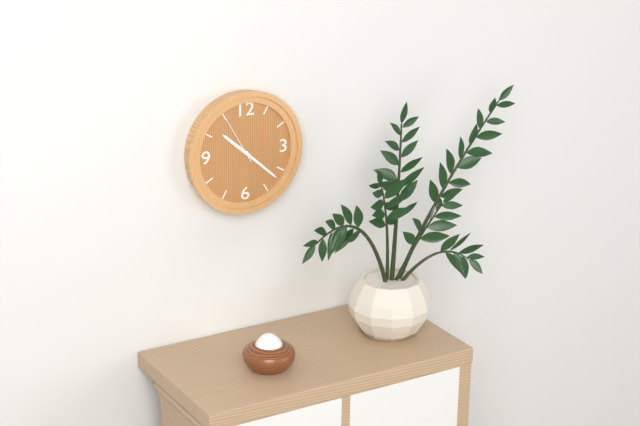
**10:22:55**
